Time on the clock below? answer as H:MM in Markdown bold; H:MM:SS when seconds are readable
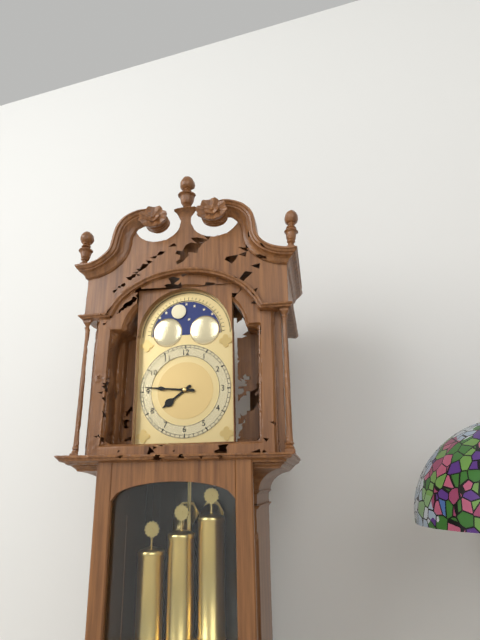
**7:46**
